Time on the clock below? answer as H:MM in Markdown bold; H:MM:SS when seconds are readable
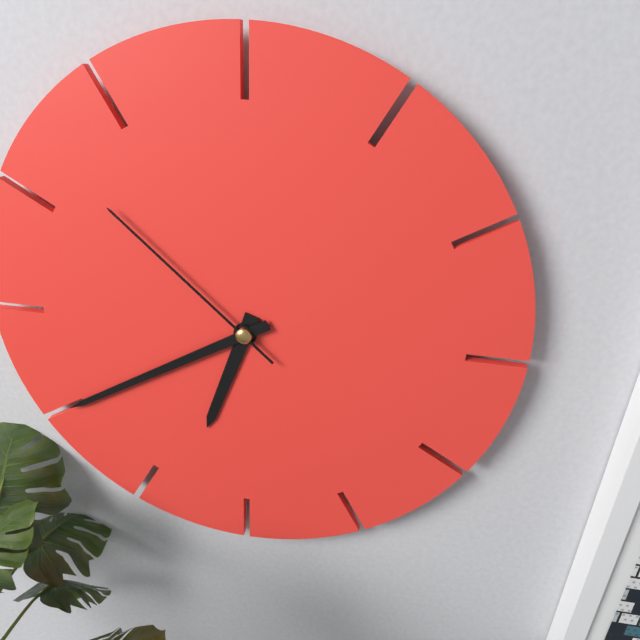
**6:40:52**
